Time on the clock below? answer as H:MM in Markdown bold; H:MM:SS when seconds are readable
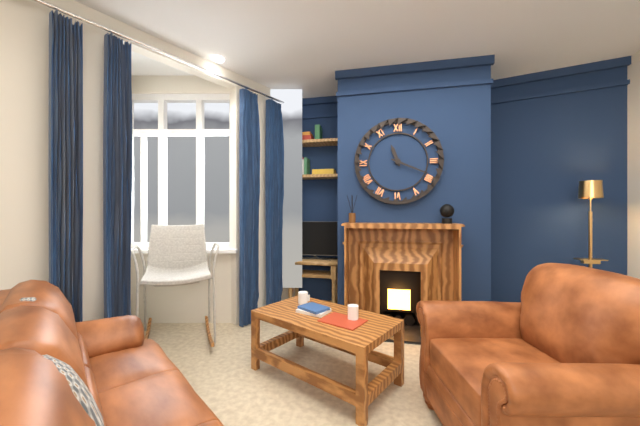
**11:19**
